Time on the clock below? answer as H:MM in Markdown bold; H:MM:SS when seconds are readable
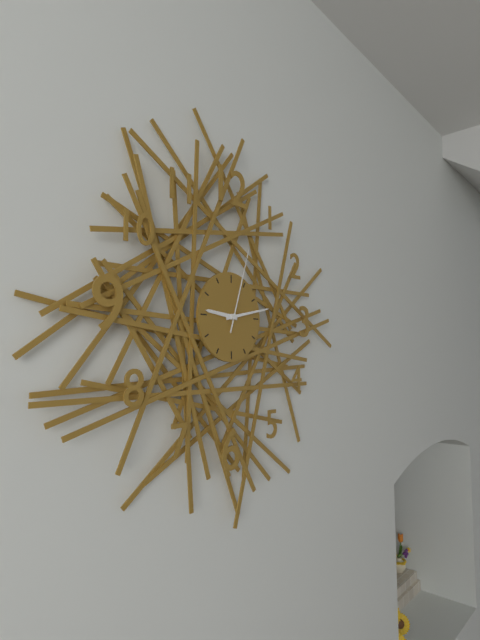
**9:13:03**
